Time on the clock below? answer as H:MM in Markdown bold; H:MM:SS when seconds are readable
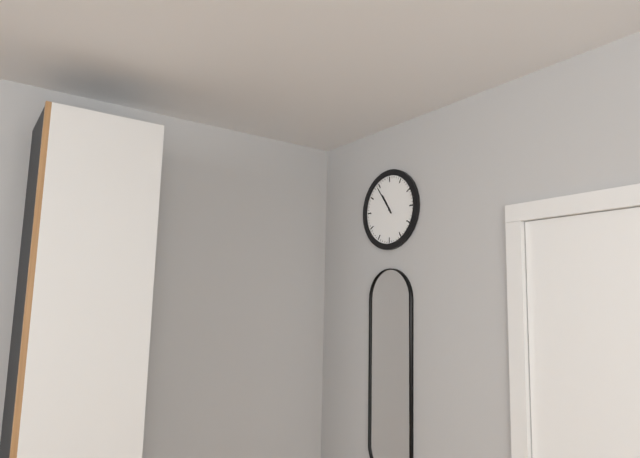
**10:54**
